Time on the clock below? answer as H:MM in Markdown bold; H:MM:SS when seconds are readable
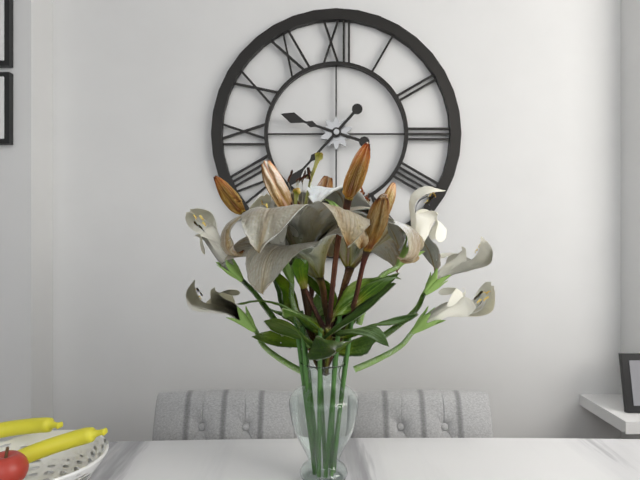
**9:37**
